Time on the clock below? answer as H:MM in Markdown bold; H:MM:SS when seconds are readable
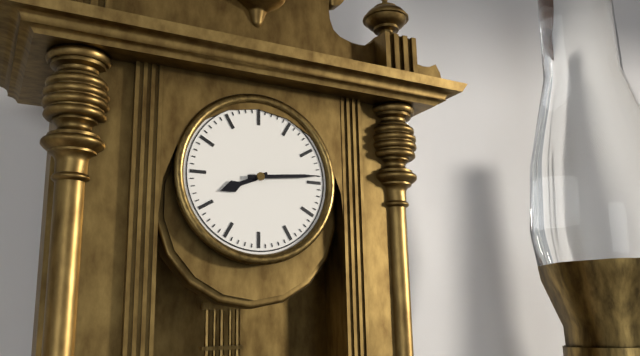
**8:14**
